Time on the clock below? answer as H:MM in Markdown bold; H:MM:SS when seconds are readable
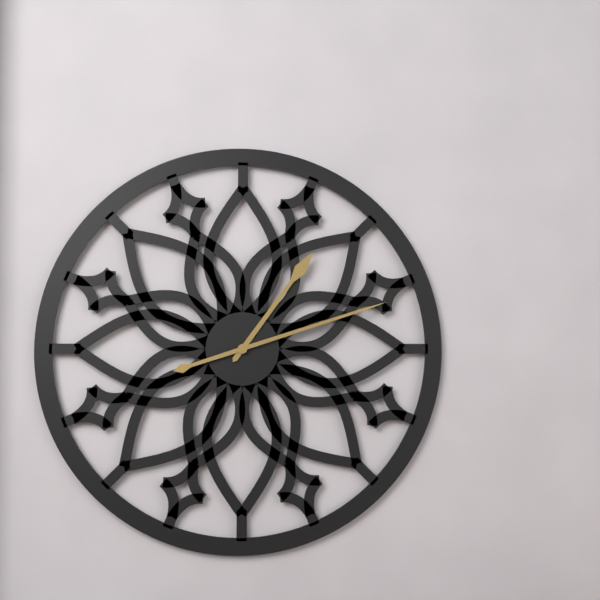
**1:12**
